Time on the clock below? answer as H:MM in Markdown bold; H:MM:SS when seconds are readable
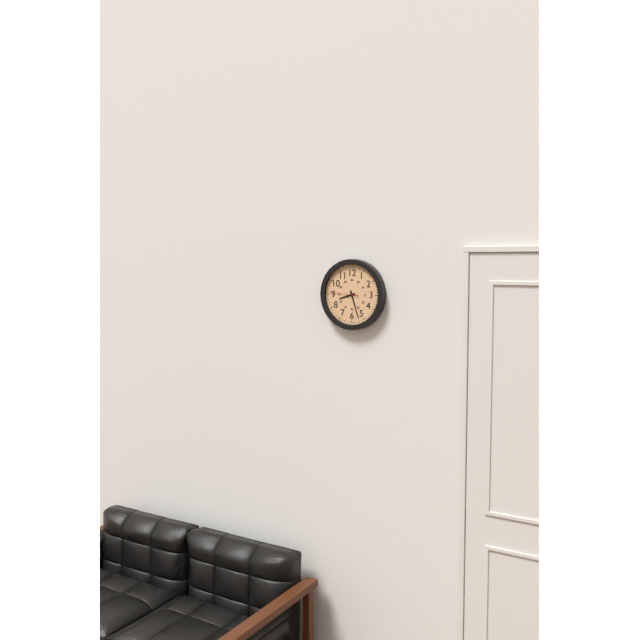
**8:27**
